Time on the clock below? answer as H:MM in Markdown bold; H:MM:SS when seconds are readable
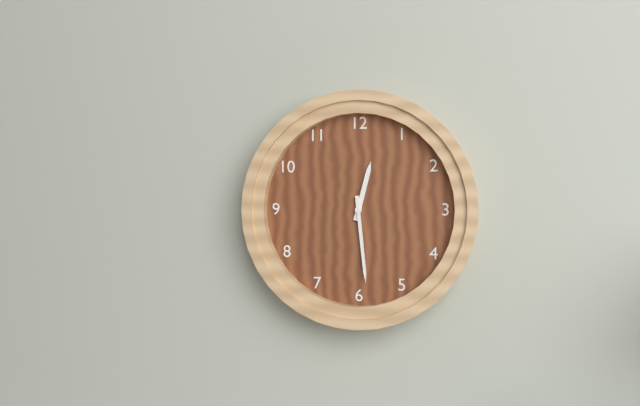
**12:29**
